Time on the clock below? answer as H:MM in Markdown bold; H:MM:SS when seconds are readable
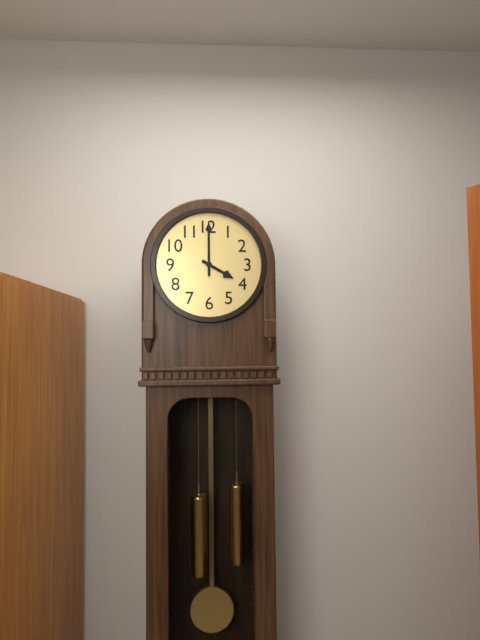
**4:00**
